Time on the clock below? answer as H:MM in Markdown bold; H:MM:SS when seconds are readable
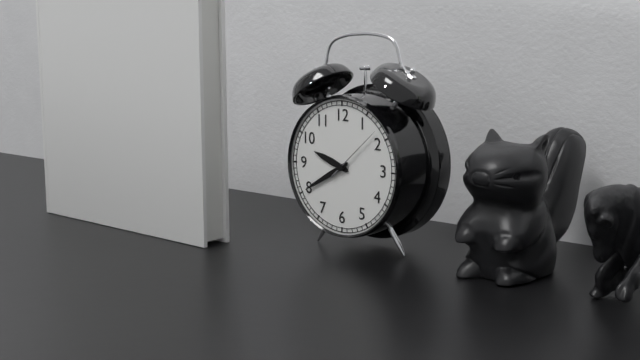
**9:40:08**
